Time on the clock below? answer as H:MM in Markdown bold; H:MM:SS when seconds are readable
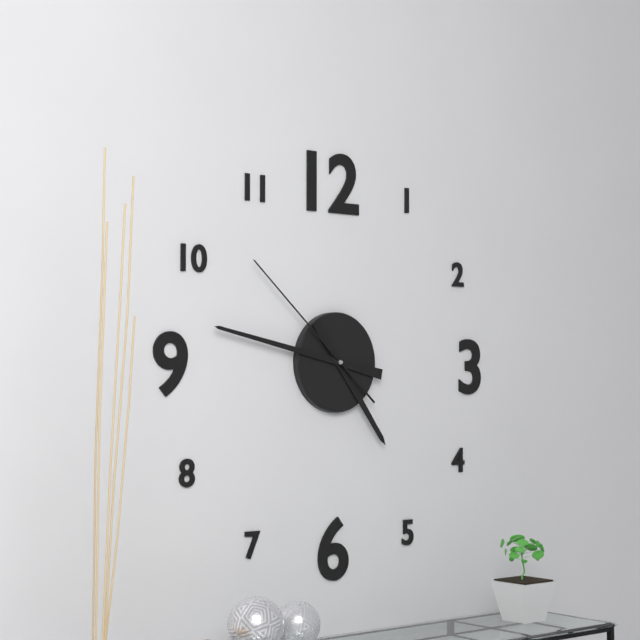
**4:47:52**
